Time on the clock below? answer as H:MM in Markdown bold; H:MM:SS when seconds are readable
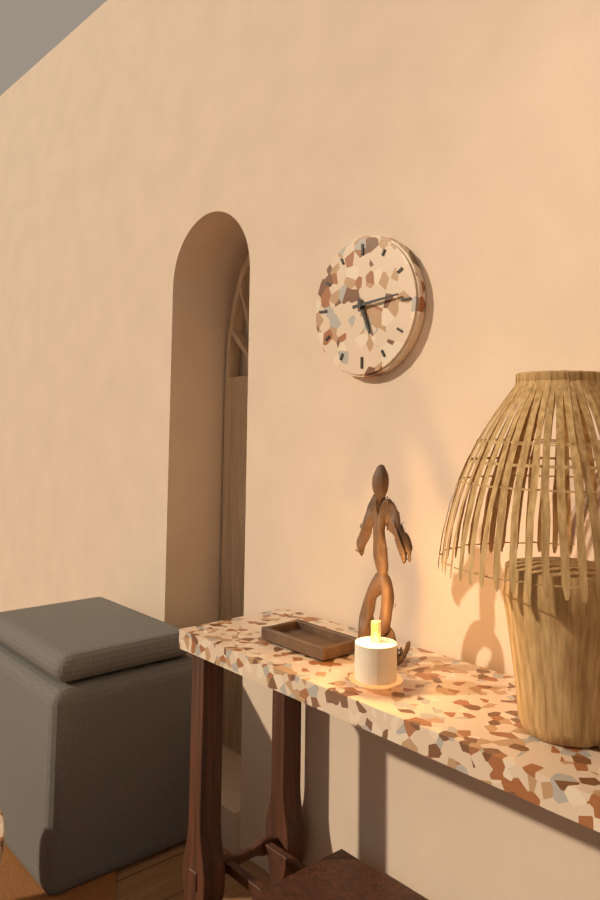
**5:14**
